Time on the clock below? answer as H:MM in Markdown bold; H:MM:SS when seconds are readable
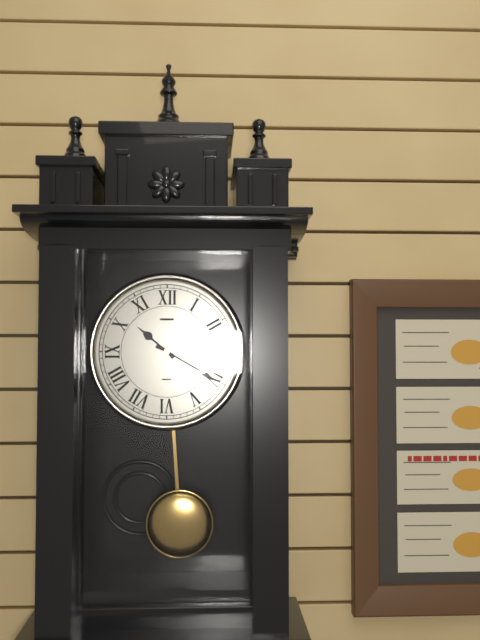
**10:20**
